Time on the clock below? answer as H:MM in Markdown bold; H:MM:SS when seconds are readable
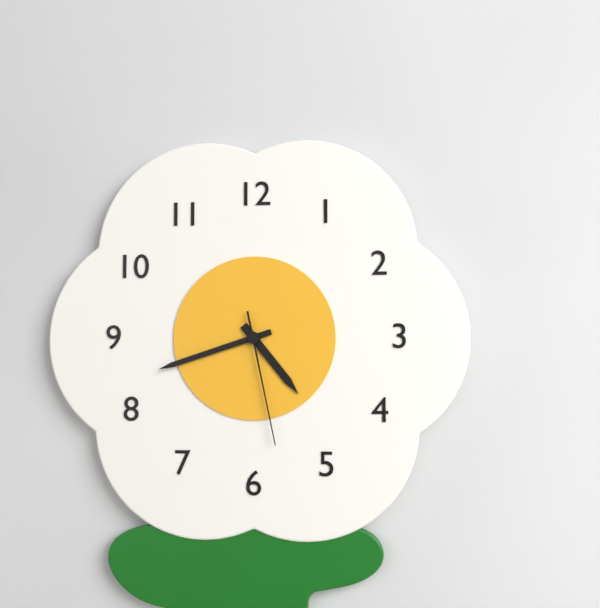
**4:42:28**
